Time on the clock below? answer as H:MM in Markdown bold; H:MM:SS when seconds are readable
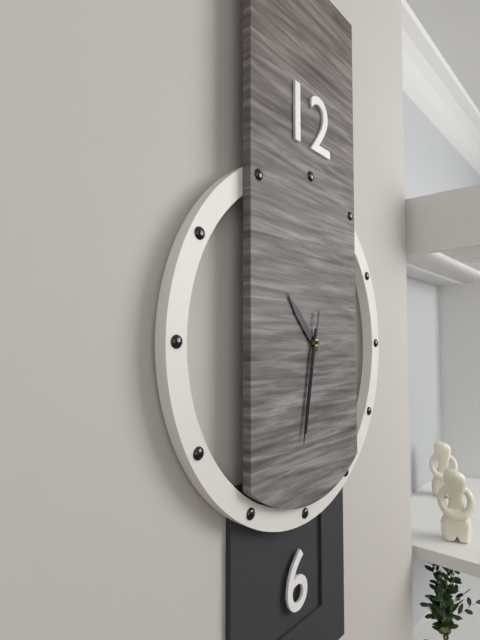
**10:32:32**
